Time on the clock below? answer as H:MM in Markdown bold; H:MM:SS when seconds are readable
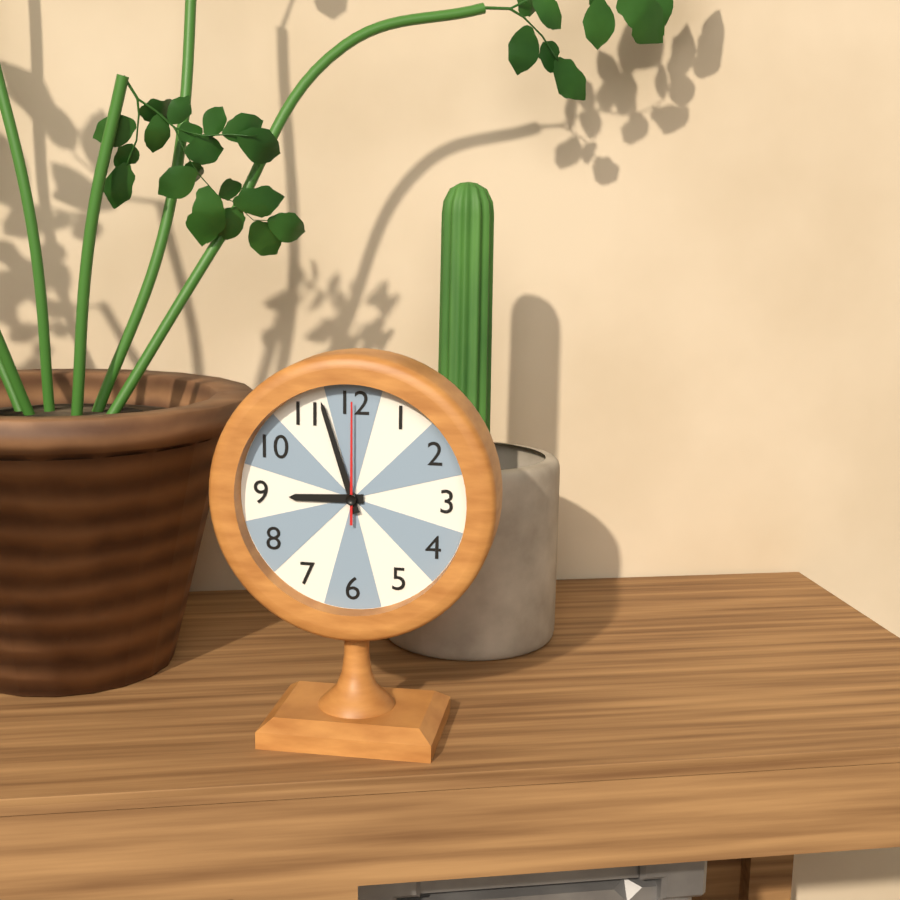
**8:57:00**
